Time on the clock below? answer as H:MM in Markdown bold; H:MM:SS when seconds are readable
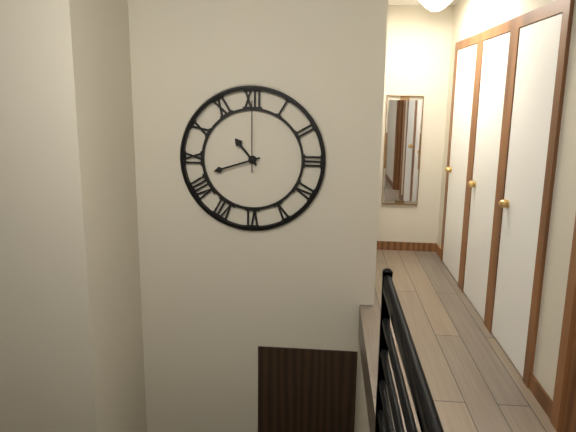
**10:42:00**
